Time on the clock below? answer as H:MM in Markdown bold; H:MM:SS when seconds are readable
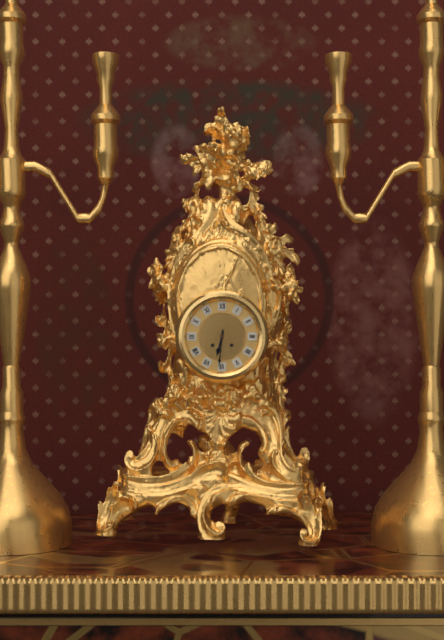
**6:31**
